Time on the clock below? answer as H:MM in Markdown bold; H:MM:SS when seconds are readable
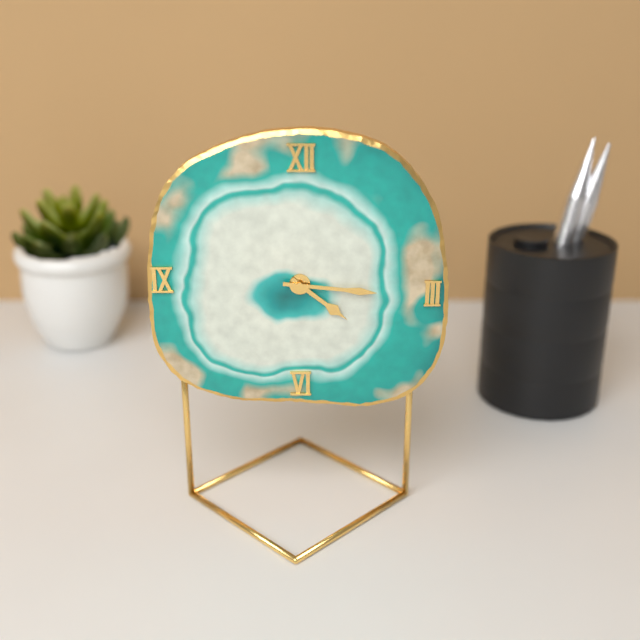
**4:16**
